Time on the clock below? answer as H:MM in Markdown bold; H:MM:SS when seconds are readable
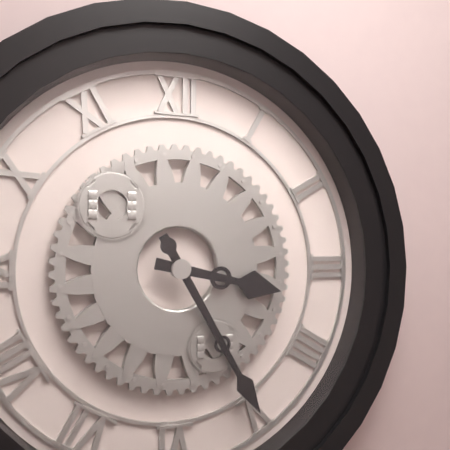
**3:25**
